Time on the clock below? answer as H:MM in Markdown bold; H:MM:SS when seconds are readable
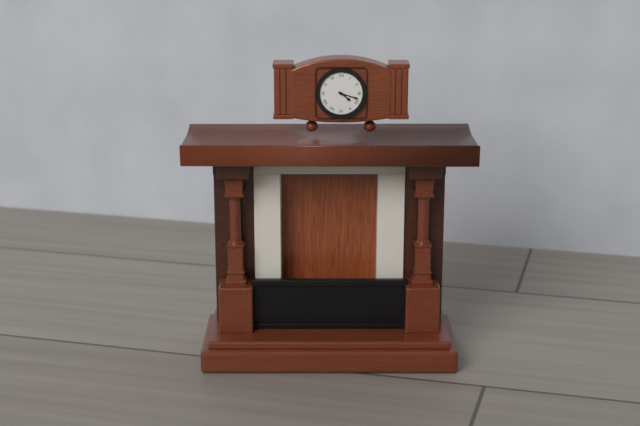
**4:18**
